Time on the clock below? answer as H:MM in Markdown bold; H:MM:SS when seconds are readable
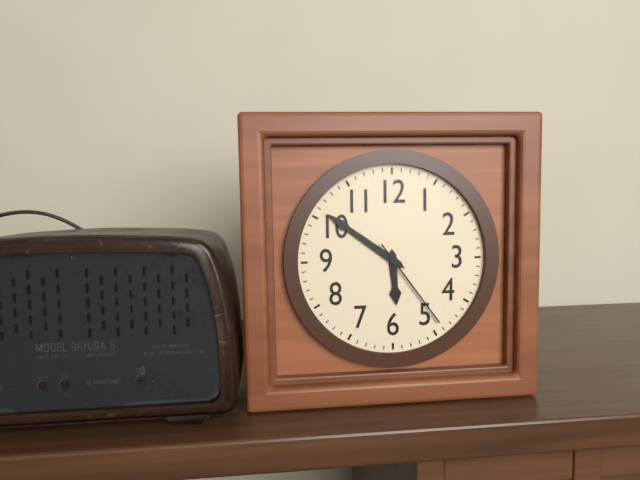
**5:51:24**
